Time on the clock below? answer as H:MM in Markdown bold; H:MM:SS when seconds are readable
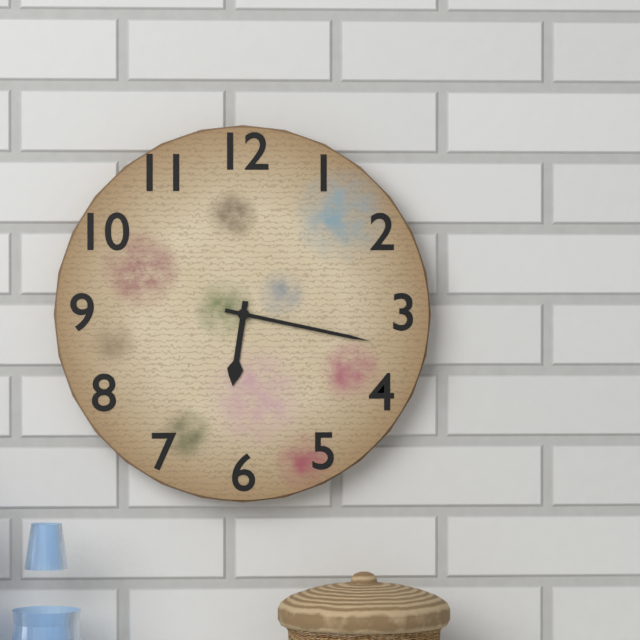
**6:17**
